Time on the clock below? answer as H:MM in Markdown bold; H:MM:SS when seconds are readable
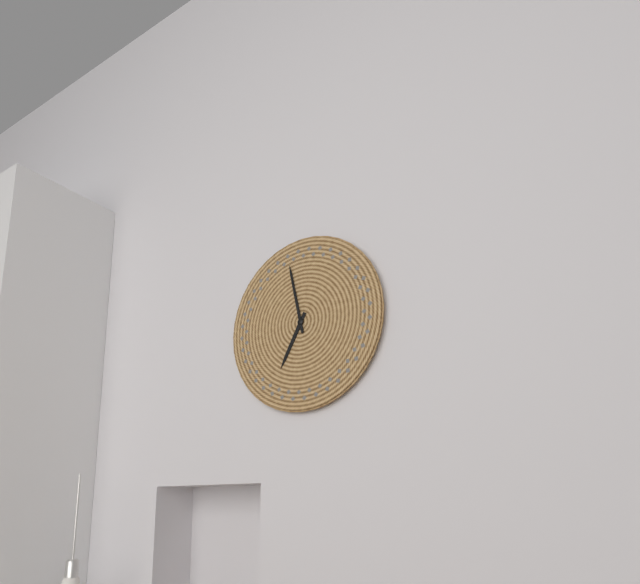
**6:58**
